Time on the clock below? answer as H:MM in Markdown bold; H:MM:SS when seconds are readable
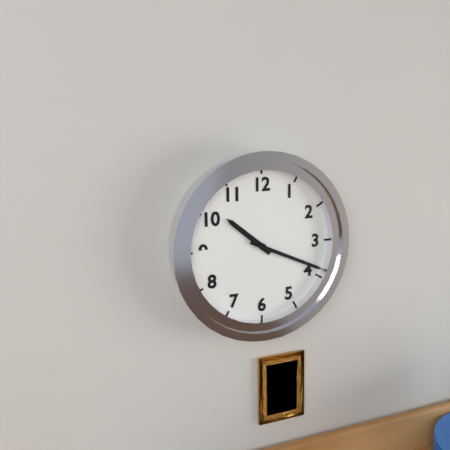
**10:19**
